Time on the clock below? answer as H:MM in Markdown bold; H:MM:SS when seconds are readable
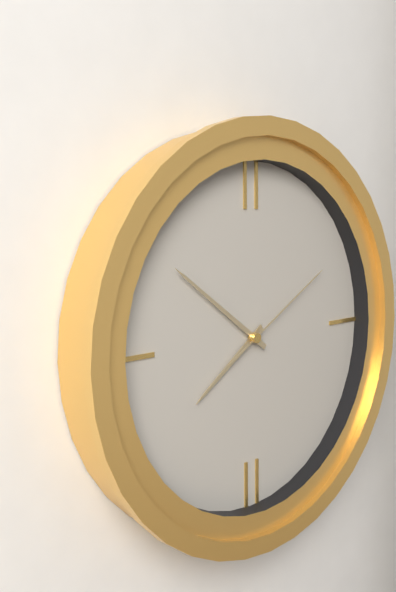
**7:51:10**
